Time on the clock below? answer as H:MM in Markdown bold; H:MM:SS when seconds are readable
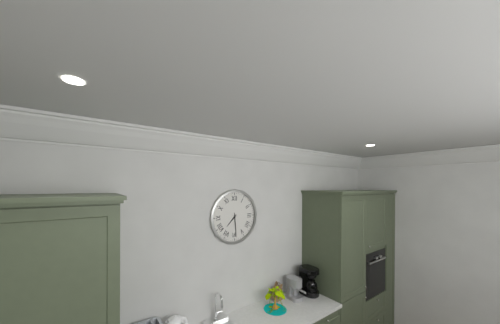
**7:29**
